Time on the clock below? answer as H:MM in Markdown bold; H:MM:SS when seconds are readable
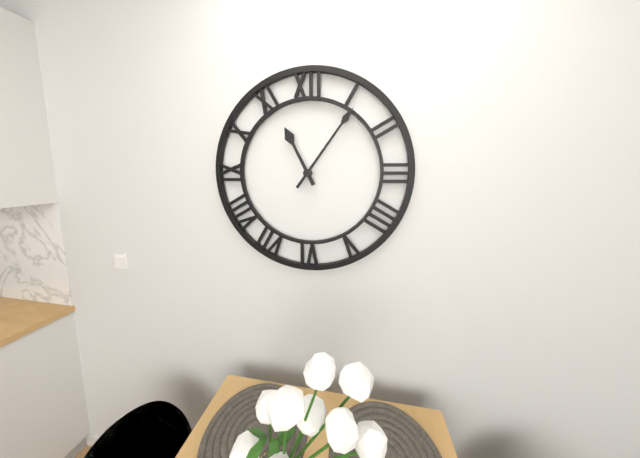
**11:06**
